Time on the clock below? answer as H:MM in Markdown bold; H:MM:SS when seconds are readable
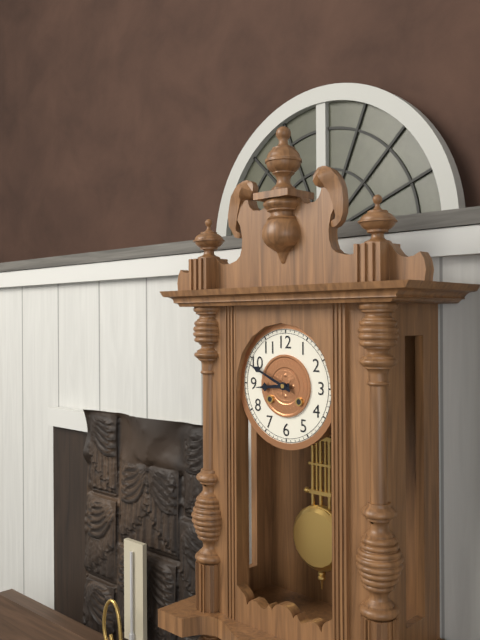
**8:49**
